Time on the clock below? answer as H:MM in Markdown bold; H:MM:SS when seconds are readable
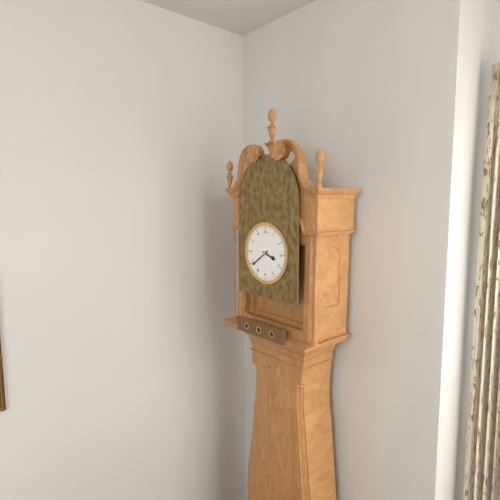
**3:39**
